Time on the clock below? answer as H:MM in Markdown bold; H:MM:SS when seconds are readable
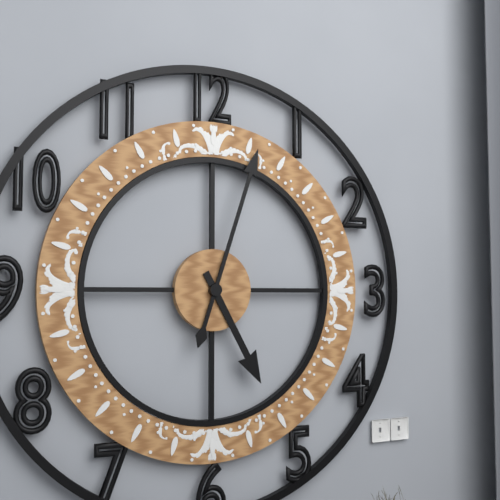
**5:03**
